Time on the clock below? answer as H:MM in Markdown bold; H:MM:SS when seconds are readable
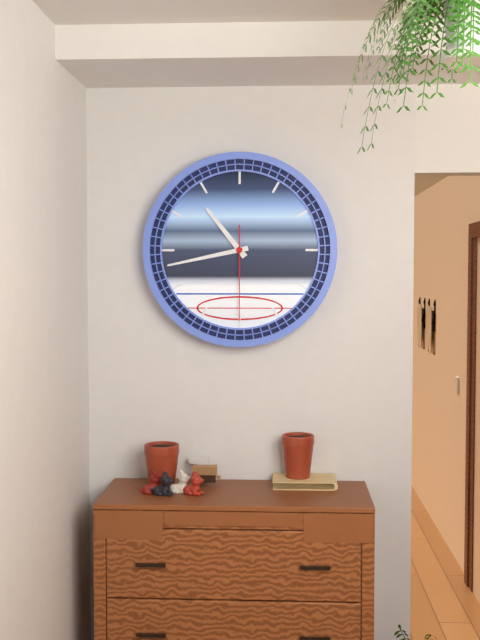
**10:43:30**
